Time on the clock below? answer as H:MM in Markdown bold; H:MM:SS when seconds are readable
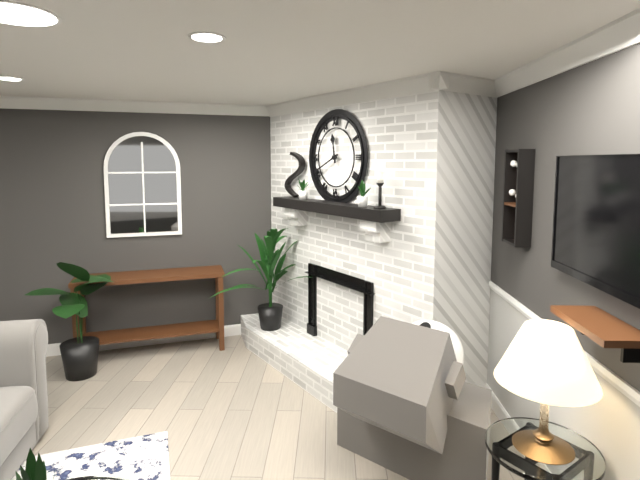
**11:41**
